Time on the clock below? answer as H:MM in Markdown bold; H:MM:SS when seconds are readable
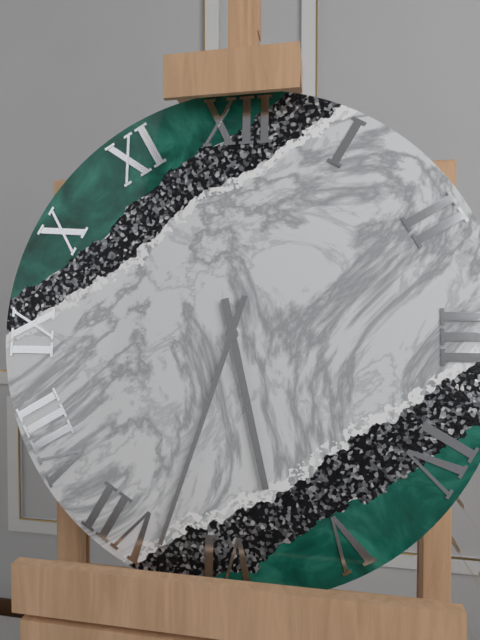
**5:33**
